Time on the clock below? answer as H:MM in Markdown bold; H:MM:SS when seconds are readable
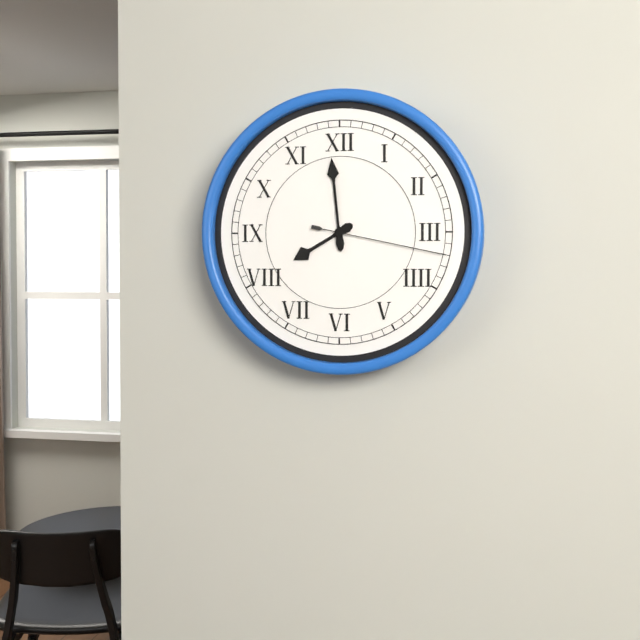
**7:59:17**
